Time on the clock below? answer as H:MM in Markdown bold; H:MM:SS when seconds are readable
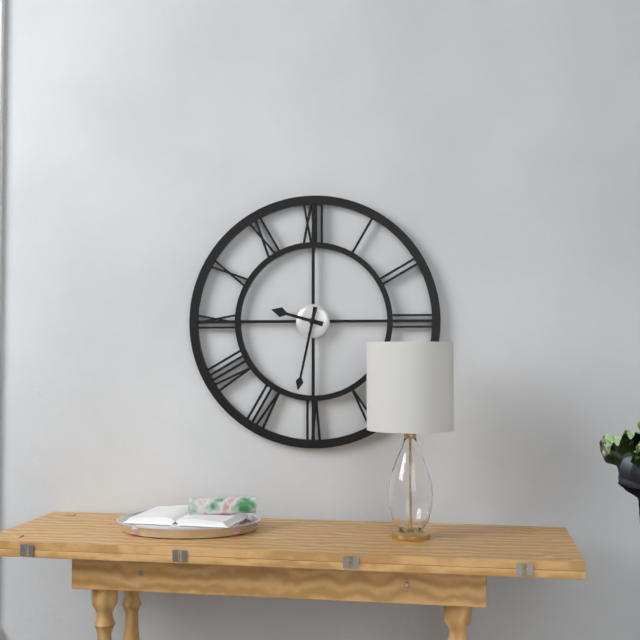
**9:32**
